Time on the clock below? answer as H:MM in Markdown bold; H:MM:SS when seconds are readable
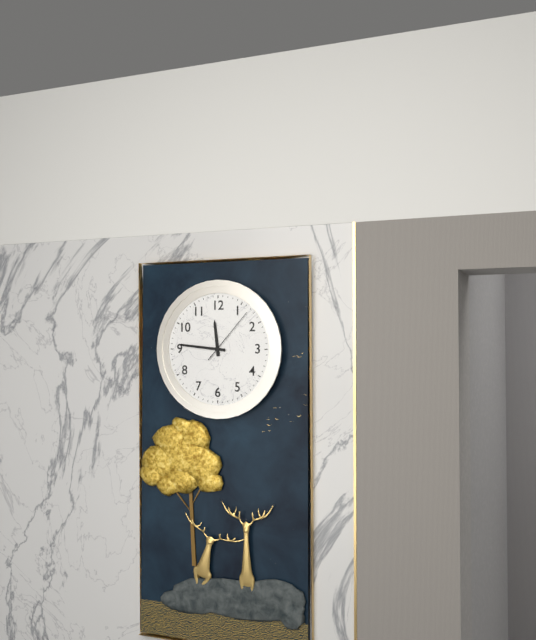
**11:46:07**
